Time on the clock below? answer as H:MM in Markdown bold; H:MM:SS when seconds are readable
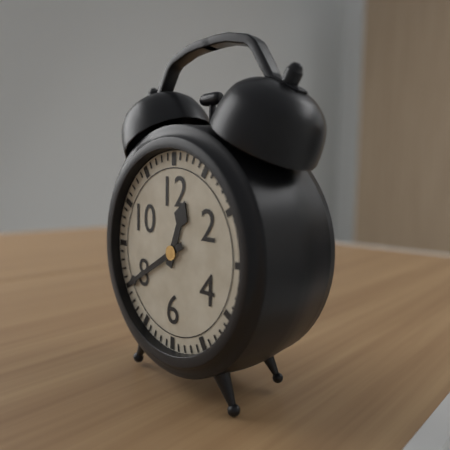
**12:40**
